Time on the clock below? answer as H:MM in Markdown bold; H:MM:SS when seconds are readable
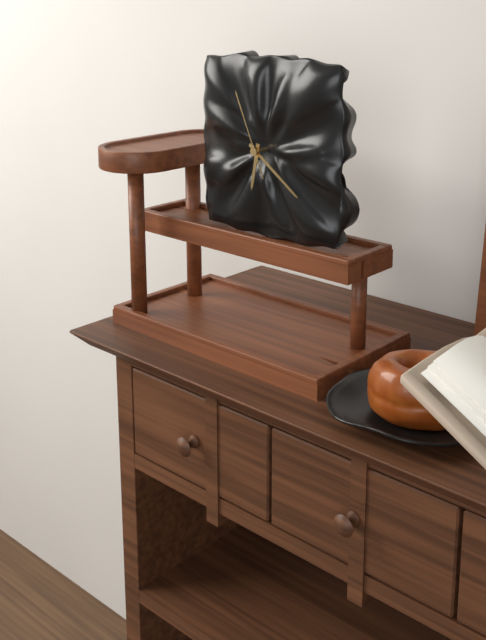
**6:21:56**
